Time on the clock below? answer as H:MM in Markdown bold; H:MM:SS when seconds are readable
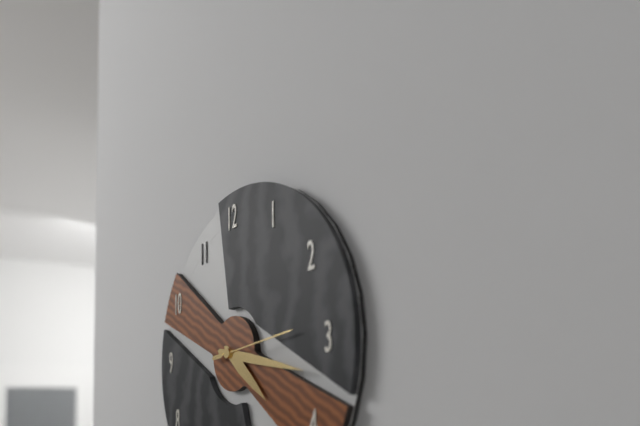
**4:17:14**
